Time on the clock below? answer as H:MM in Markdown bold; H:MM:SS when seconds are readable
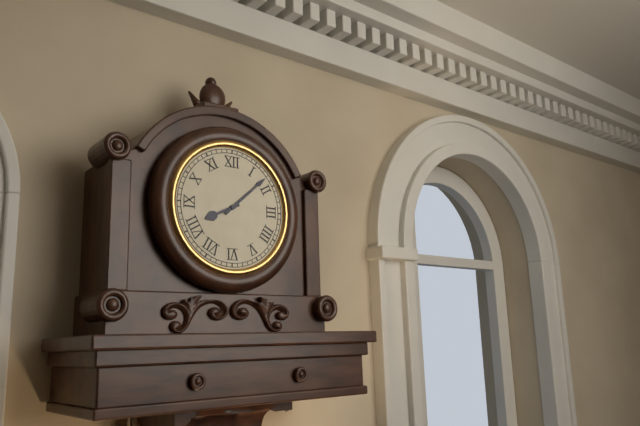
**8:08**
